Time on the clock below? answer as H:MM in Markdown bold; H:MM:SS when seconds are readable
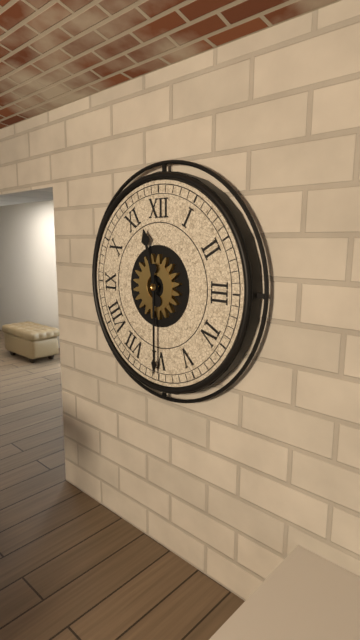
**11:30**
